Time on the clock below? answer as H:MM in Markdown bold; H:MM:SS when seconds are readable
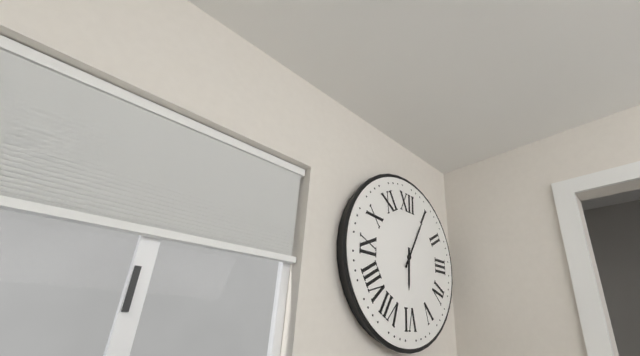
**6:05**
